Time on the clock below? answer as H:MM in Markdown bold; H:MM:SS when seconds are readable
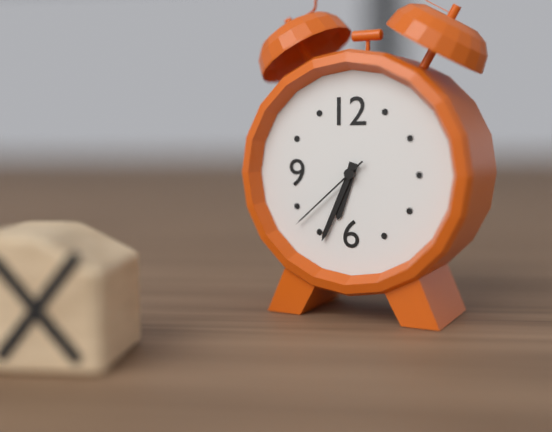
**6:34:38**
